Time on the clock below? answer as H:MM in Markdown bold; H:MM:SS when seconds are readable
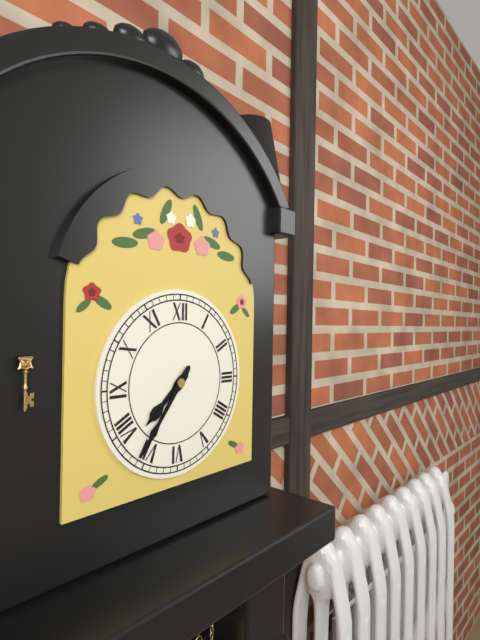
**7:36**
